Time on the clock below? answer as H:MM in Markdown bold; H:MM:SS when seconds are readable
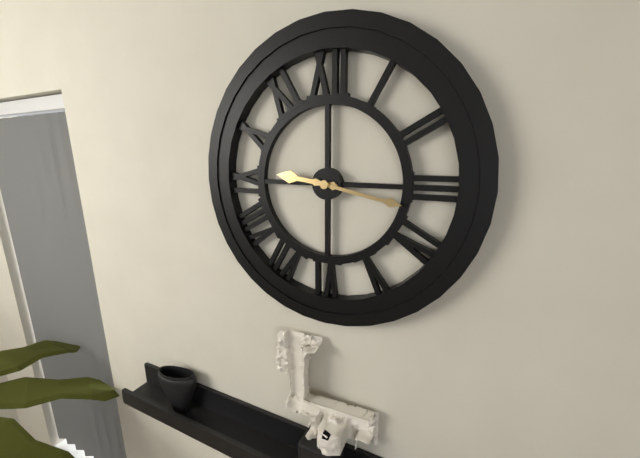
**9:17**
